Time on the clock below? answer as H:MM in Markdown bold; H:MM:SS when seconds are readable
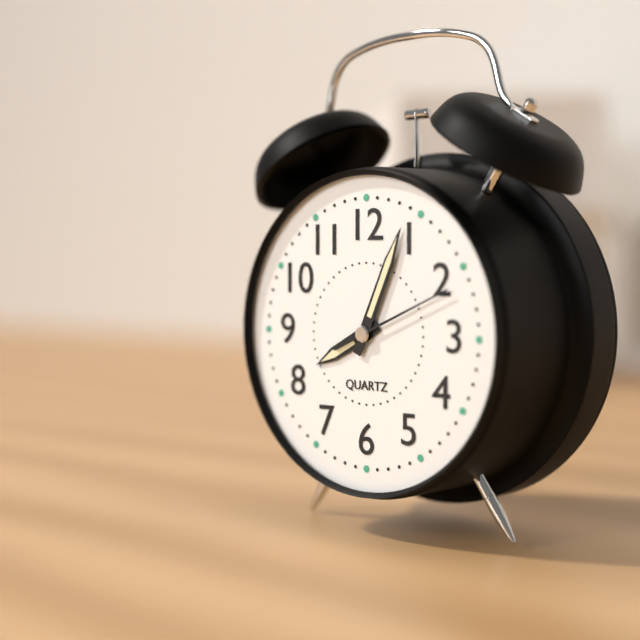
**8:04:11**
